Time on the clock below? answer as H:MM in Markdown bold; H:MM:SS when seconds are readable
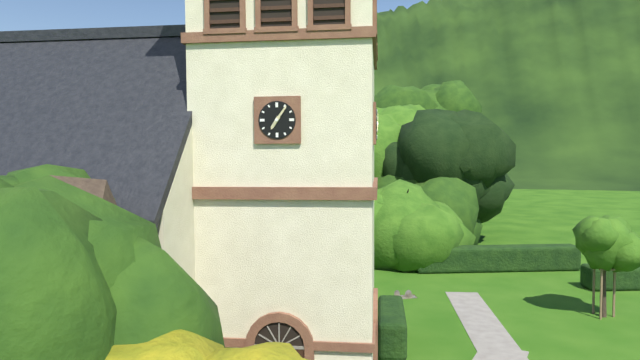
**7:06**
